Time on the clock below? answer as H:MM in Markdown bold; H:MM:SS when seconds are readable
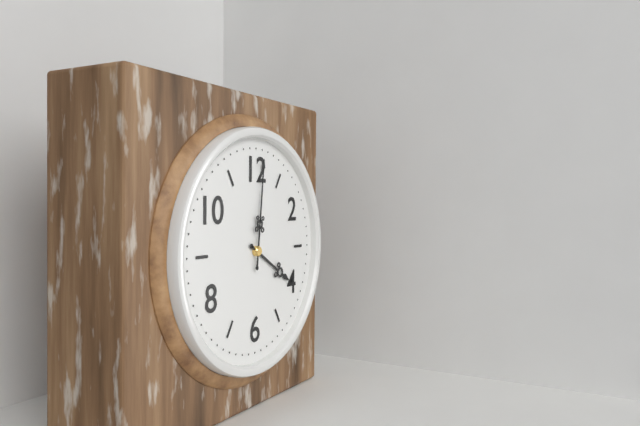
**4:01**
